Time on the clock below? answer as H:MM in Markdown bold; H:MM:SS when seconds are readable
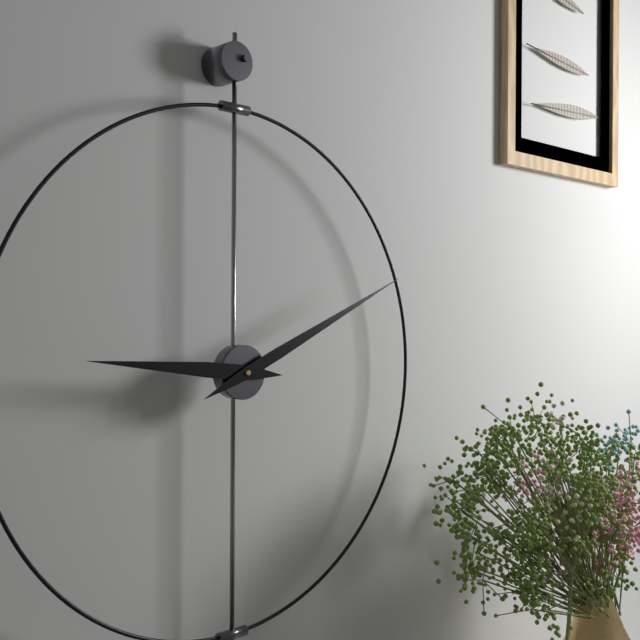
**9:11**
